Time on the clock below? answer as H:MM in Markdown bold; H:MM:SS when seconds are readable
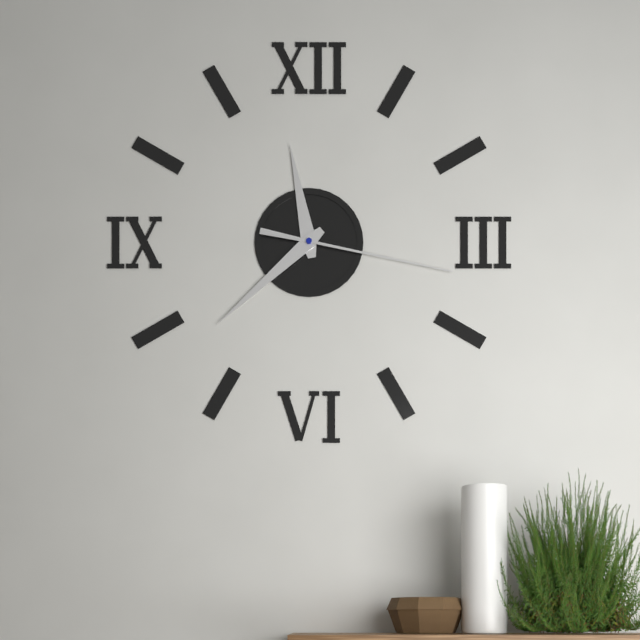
**11:38:17**
